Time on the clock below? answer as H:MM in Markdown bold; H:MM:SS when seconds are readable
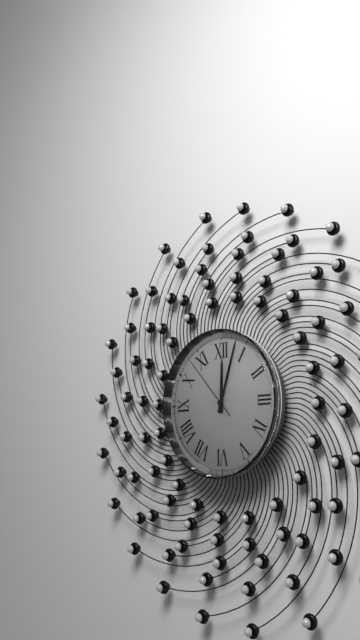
**12:03:53**
